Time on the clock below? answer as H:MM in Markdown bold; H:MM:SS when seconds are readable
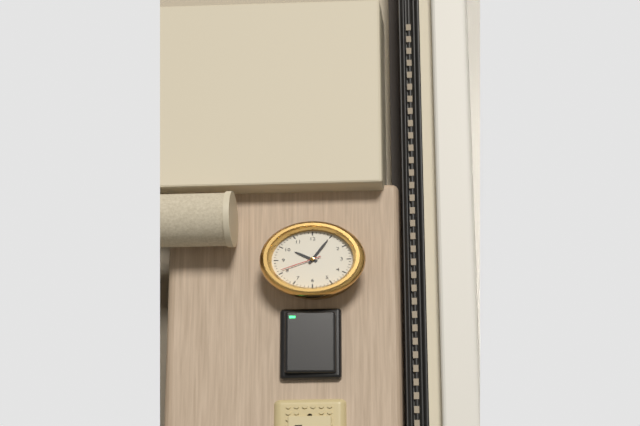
**10:05**
